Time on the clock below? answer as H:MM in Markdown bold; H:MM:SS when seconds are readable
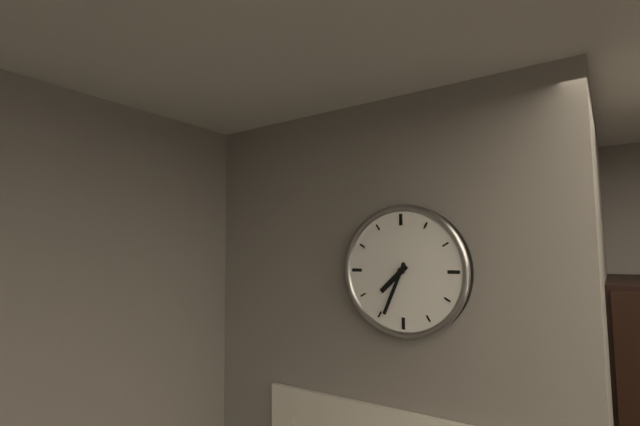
**7:34**
